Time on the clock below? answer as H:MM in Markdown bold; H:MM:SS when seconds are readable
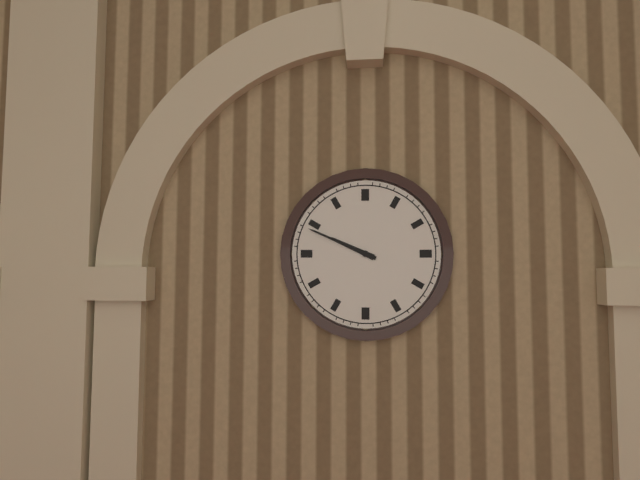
**9:49**
